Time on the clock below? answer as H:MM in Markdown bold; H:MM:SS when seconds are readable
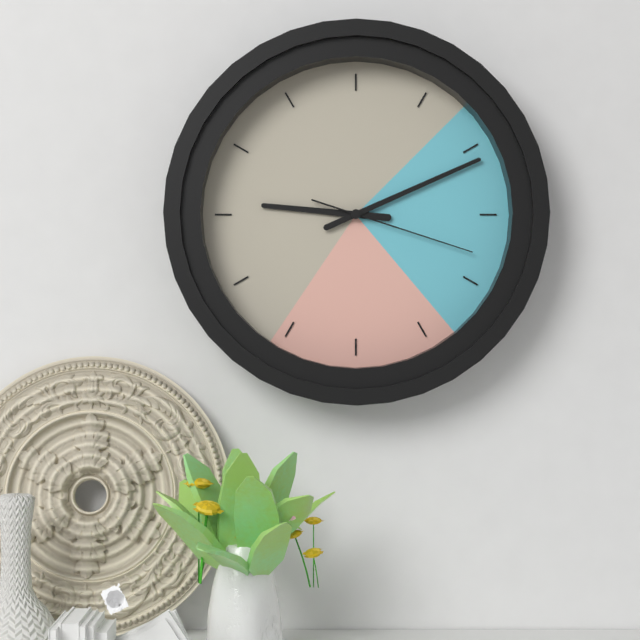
**9:11:18**
